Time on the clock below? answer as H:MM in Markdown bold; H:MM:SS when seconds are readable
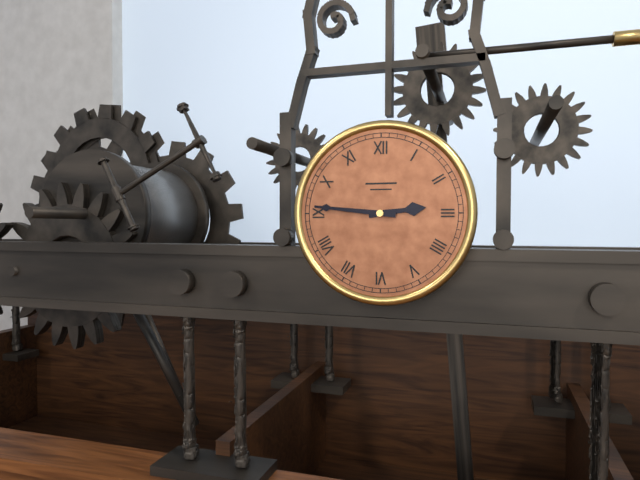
**2:46**
